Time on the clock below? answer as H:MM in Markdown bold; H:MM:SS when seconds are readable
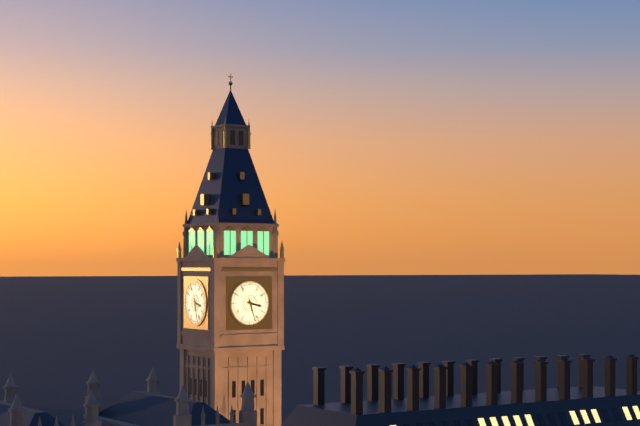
**3:27**
